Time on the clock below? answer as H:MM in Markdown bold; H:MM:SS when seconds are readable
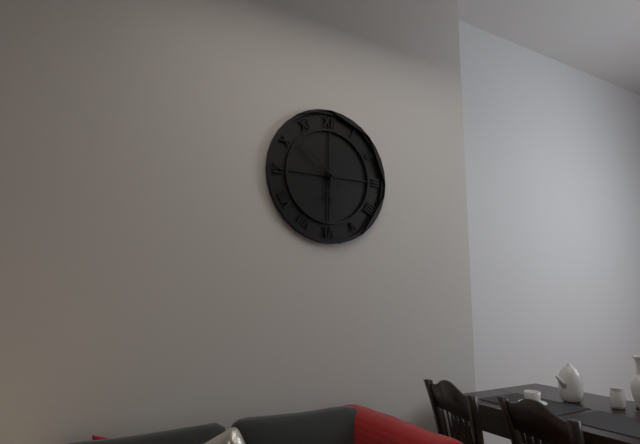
**5:52**
